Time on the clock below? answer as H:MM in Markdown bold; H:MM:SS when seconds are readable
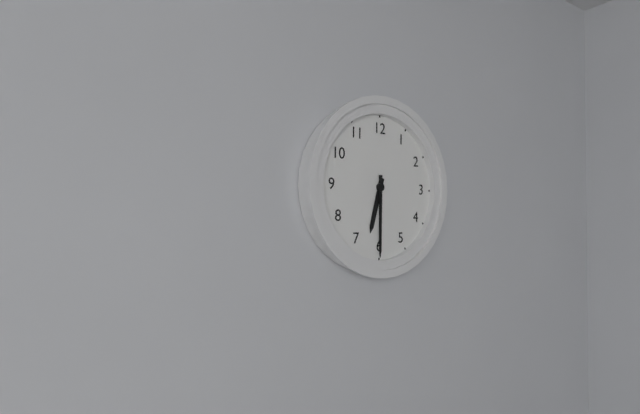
**6:30**
